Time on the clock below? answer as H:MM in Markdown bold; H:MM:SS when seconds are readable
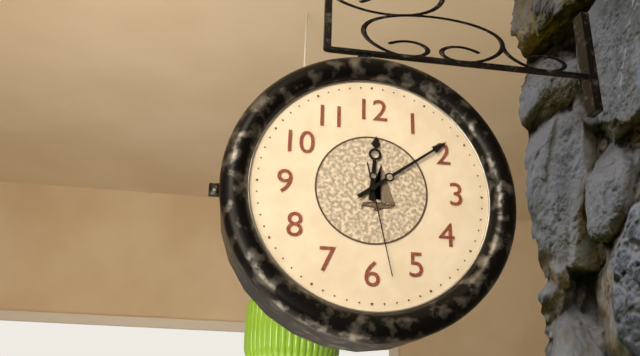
**12:09:28**
